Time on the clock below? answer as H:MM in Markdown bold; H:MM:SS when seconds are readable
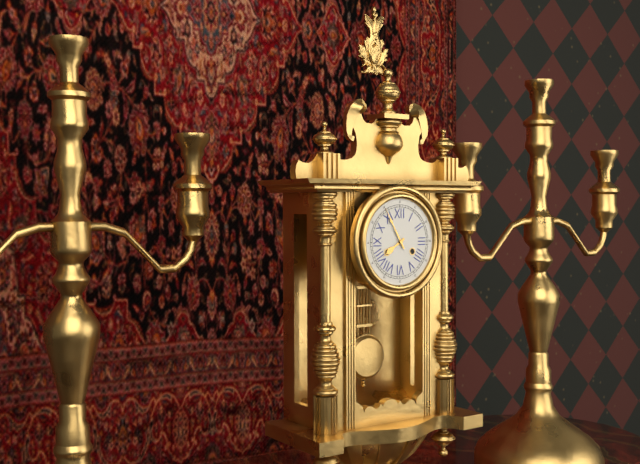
**7:55**
